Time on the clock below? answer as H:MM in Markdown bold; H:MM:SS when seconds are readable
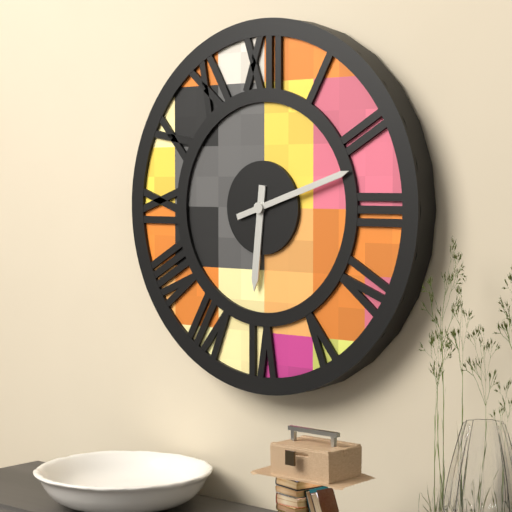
**6:12**
